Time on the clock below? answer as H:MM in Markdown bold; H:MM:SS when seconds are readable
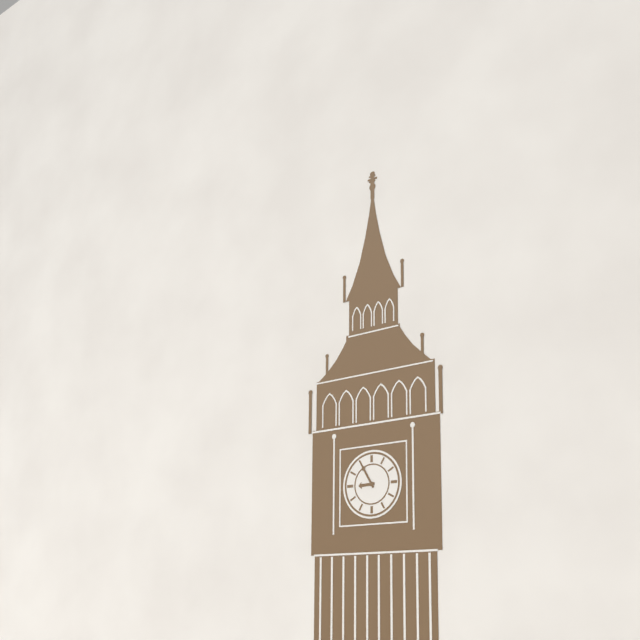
**8:55**
